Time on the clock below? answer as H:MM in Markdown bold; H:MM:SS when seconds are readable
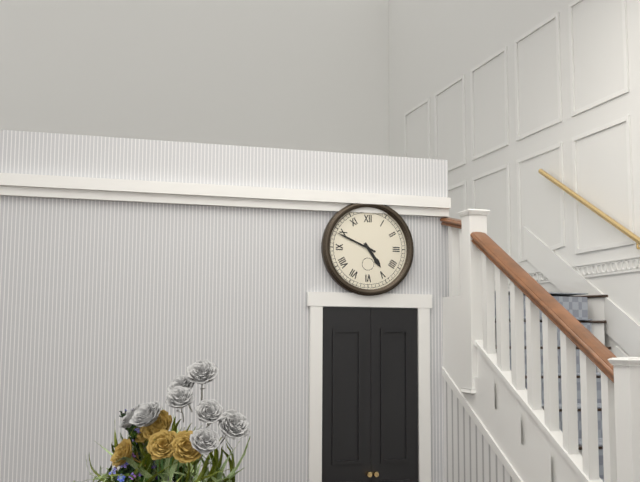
**4:49**
